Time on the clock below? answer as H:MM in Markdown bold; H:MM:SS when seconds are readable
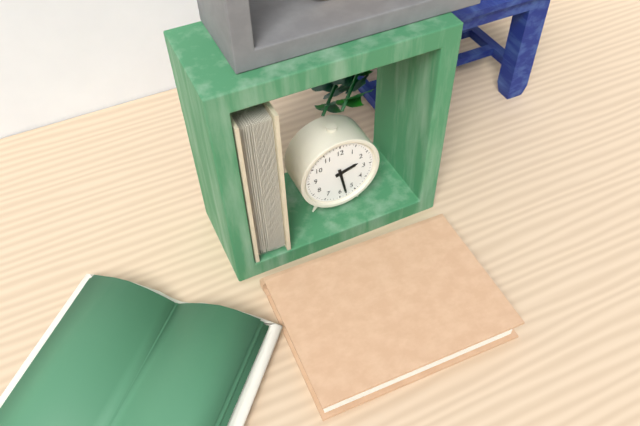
**2:28**
